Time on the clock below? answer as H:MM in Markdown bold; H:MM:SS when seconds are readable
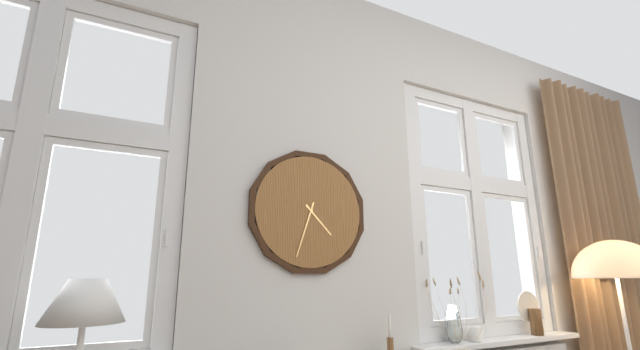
**4:33**
